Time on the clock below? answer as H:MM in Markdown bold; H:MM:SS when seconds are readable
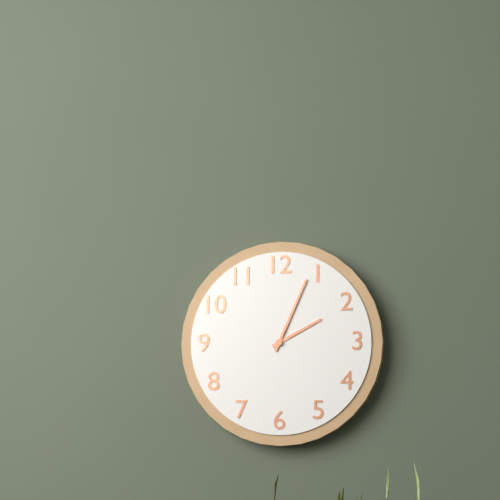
**2:04**
